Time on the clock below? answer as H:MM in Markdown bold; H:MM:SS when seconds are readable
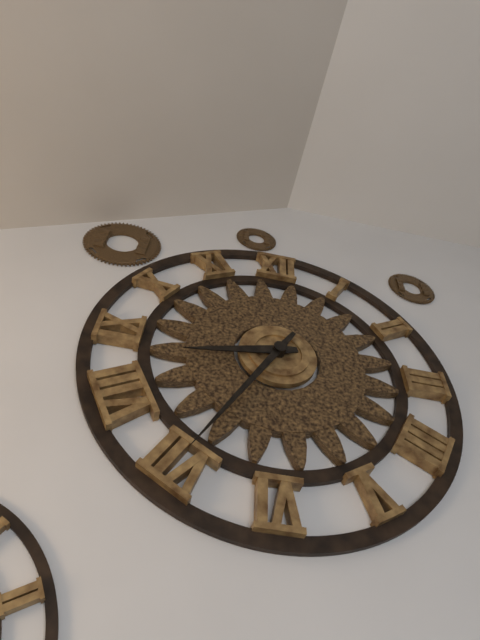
**8:35**
